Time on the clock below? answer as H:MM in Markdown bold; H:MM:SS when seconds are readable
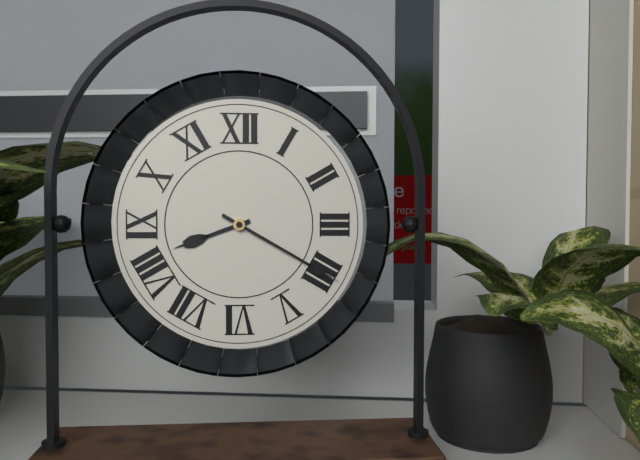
**8:20**
